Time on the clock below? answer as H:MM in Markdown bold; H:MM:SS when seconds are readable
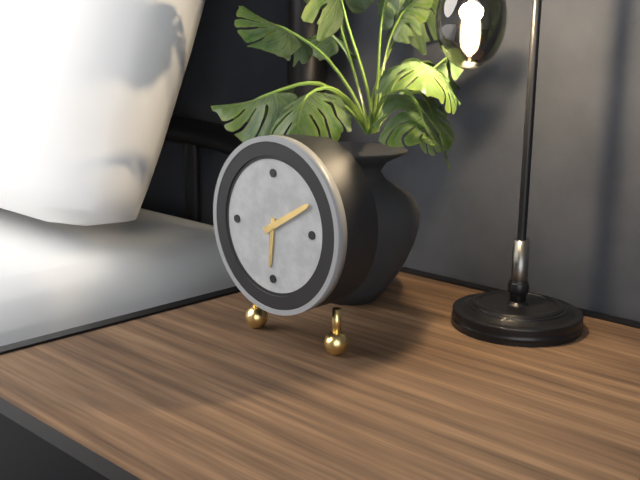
**6:10**
